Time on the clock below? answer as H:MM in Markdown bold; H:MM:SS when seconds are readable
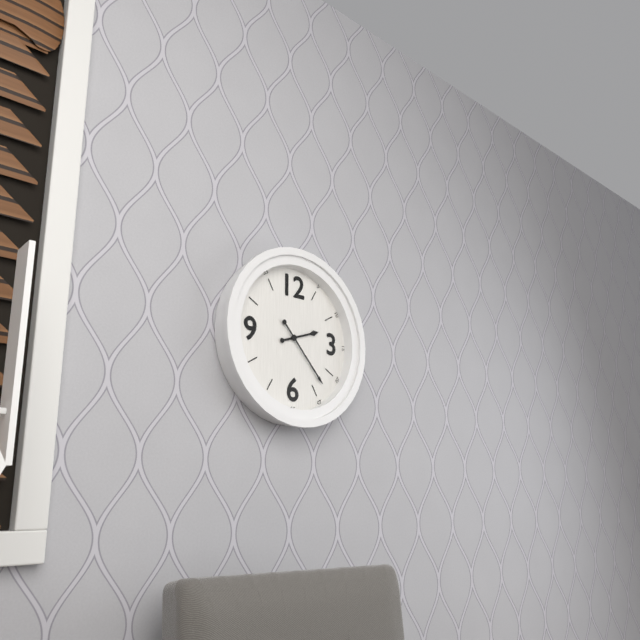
**2:23**
